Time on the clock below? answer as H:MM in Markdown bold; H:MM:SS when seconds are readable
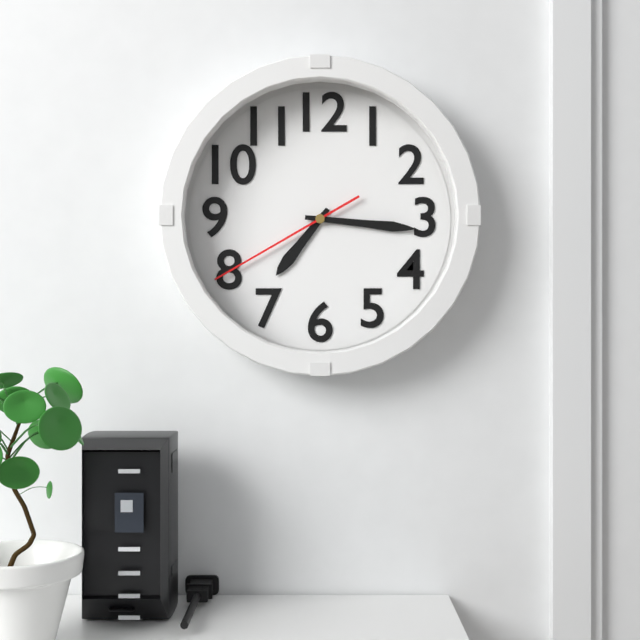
**7:16:40**
